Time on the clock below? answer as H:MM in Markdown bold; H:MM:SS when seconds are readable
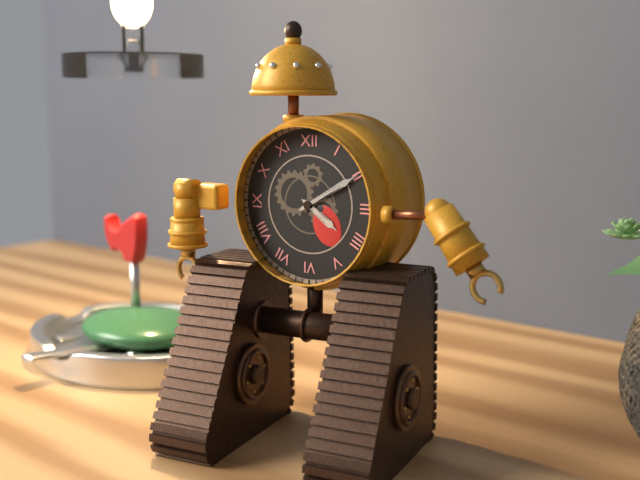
**4:10**
